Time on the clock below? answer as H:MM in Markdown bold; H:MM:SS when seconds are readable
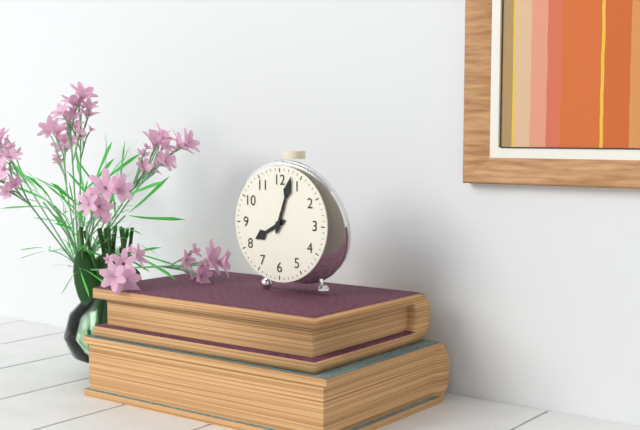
**8:03**
